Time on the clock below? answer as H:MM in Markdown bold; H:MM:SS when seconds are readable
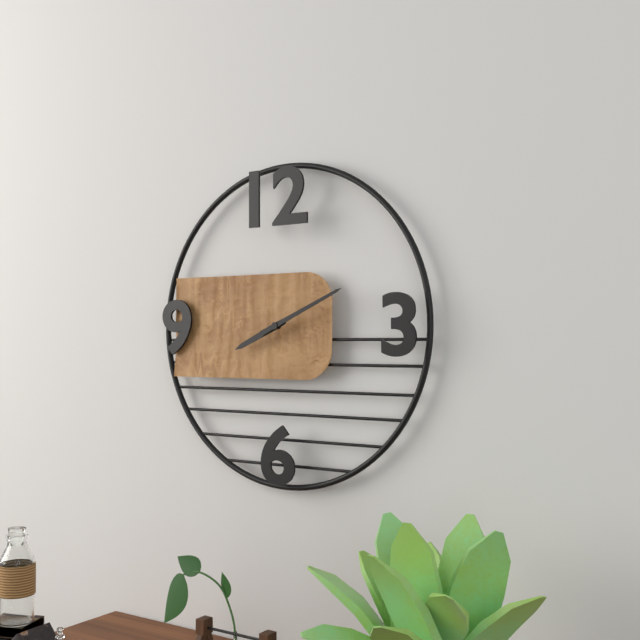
**8:11**
